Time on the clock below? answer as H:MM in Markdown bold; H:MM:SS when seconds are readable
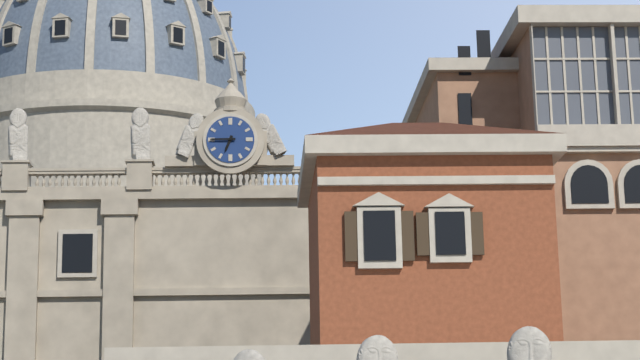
**6:45**
